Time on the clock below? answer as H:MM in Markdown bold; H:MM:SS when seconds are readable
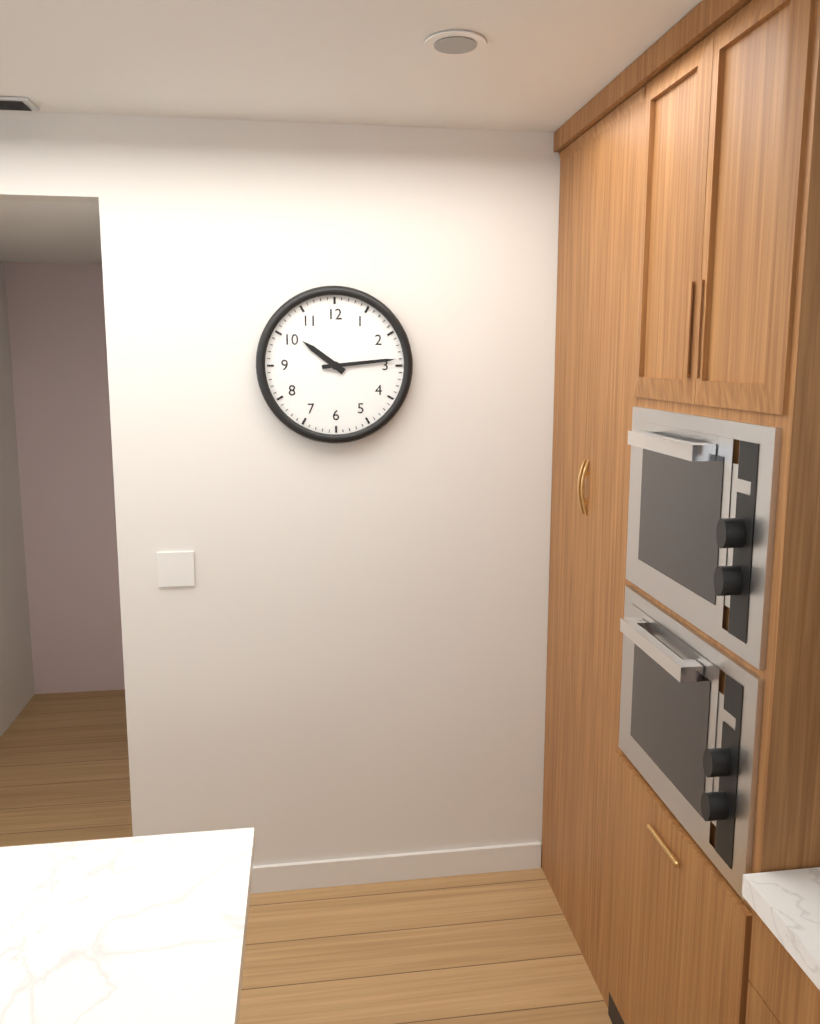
**10:14**
